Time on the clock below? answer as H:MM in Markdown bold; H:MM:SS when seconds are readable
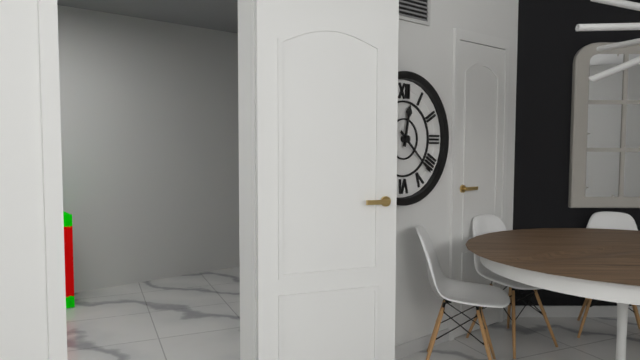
**12:22**
